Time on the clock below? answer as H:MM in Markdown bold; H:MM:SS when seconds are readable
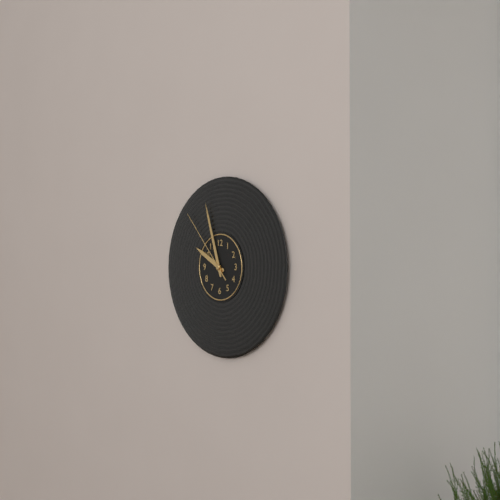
**9:57:53**
